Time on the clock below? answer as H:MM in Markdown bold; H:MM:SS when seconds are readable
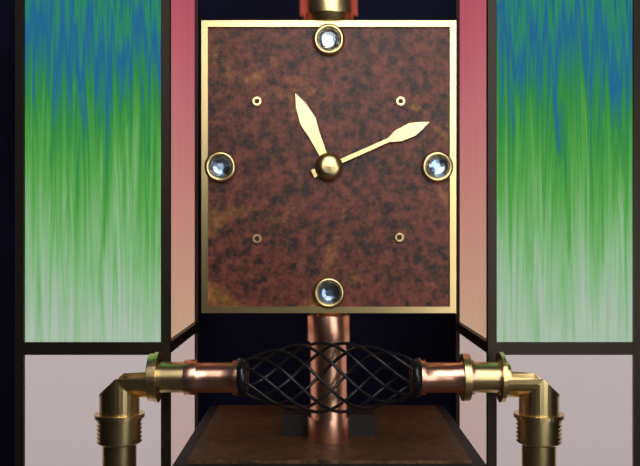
**11:11**
